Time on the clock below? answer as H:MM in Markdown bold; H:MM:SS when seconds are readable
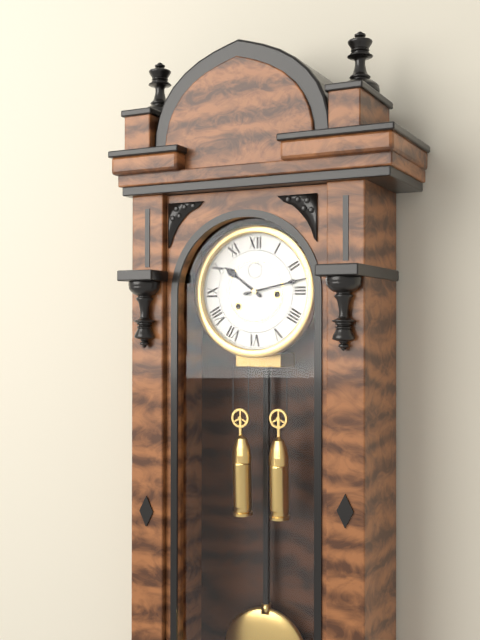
**10:13**
